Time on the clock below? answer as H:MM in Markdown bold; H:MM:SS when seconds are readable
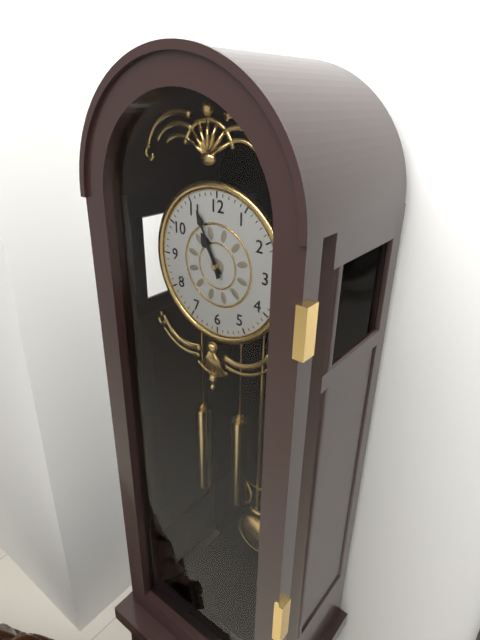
**10:56**
